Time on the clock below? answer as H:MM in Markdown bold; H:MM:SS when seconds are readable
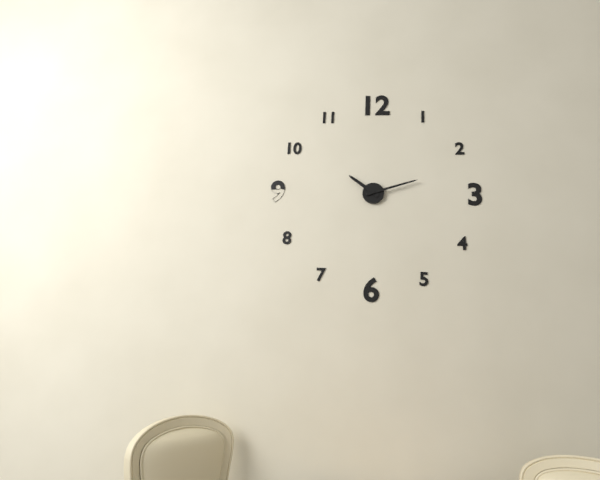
**10:12**
